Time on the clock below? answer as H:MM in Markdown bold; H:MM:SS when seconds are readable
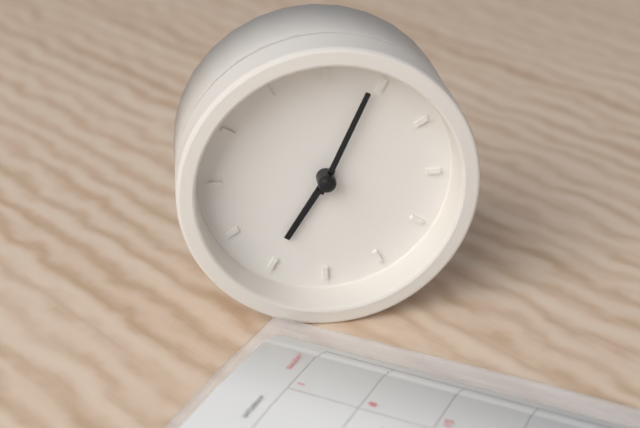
**7:04**
